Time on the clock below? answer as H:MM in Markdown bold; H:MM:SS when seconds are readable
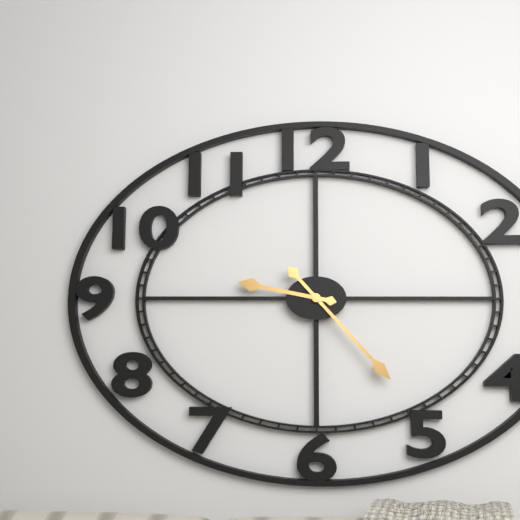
**9:23**
